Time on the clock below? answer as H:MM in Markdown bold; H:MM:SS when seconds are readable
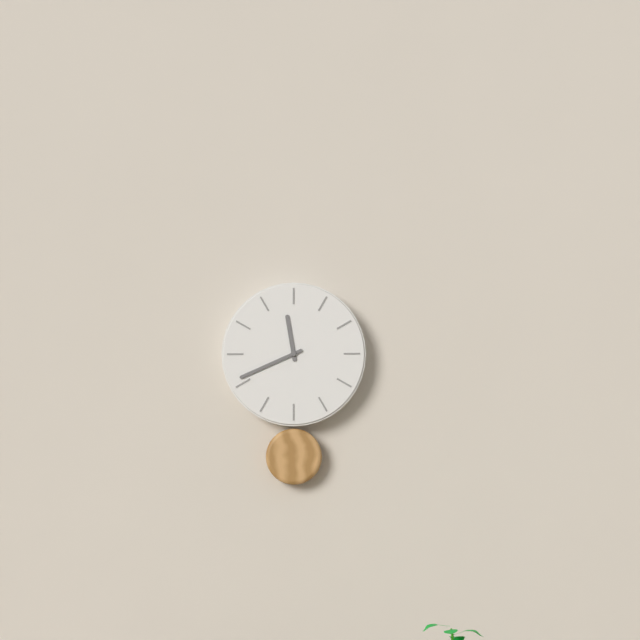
**11:41**
